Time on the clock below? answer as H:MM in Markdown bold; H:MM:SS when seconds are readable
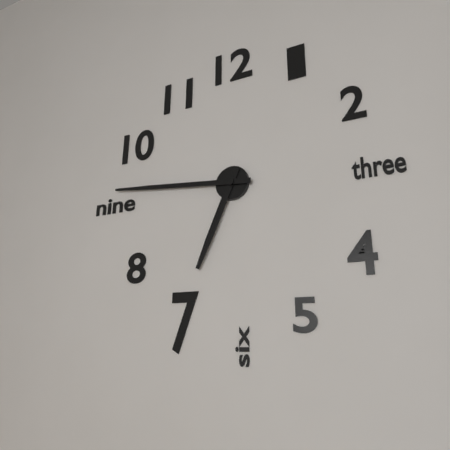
**6:46**
